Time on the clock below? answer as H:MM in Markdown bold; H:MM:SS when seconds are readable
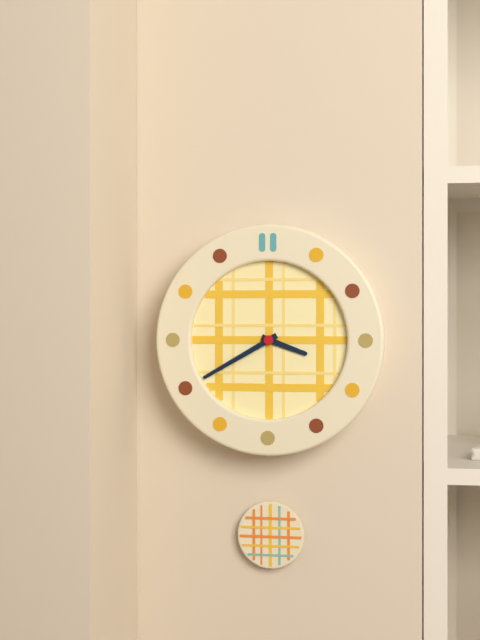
**3:40**
